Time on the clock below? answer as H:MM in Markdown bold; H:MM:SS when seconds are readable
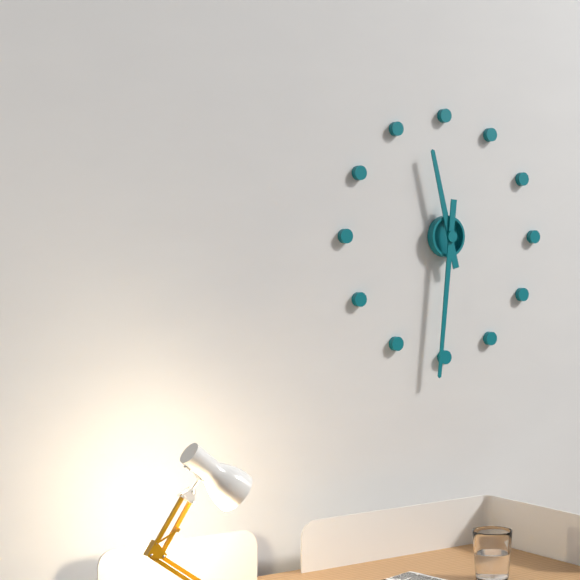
**11:31**
